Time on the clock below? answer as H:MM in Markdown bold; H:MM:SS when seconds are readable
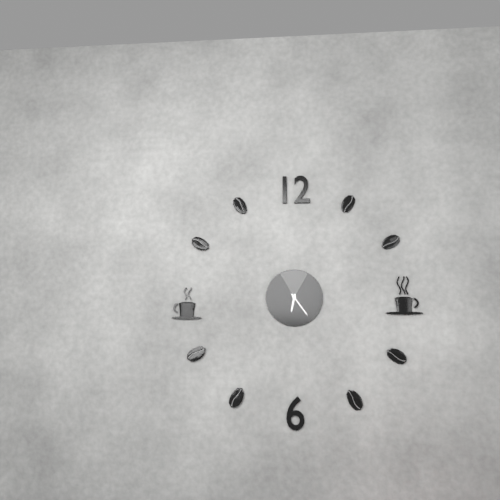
**6:24**
